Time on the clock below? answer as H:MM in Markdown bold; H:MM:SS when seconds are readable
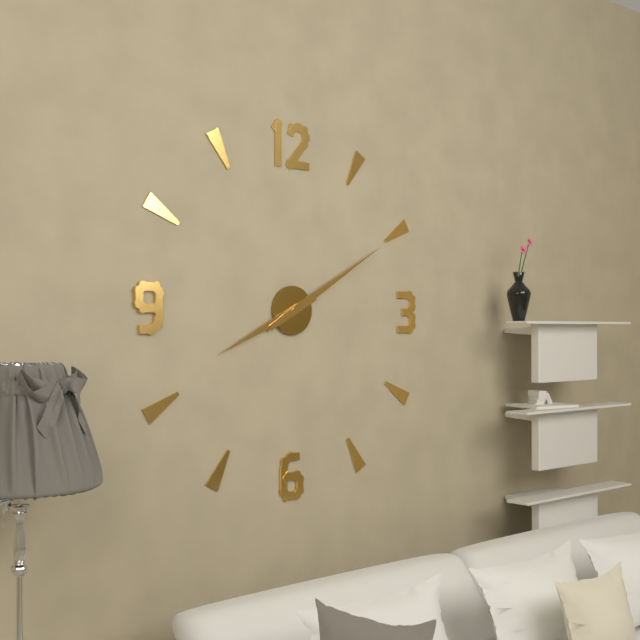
**8:10**
